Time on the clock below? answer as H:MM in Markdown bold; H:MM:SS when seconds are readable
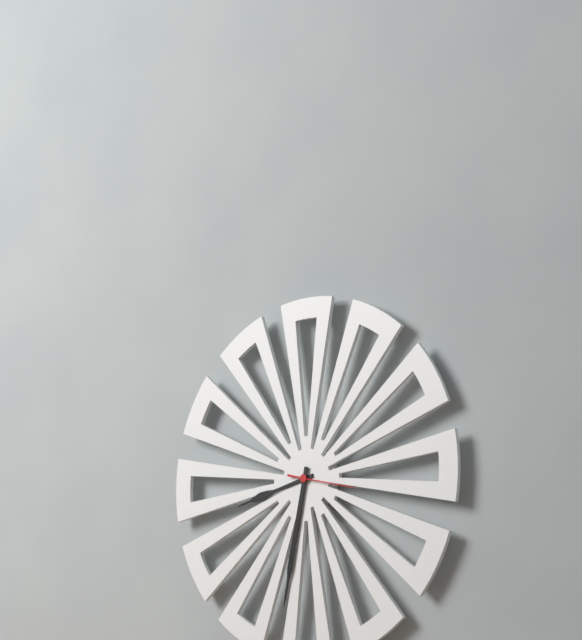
**8:32:17**
